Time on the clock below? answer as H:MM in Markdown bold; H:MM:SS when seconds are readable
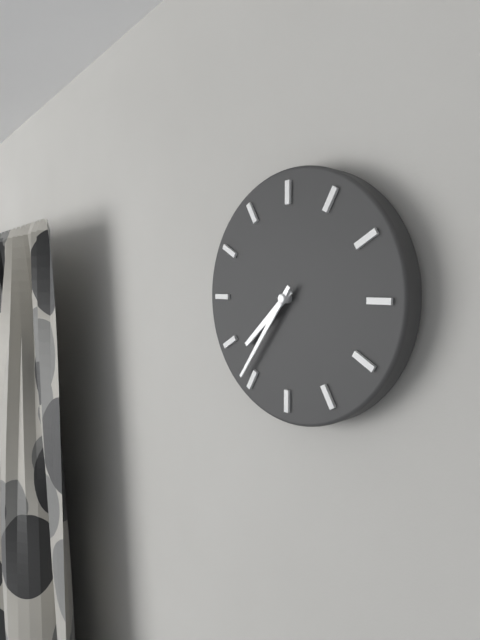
**7:36**
